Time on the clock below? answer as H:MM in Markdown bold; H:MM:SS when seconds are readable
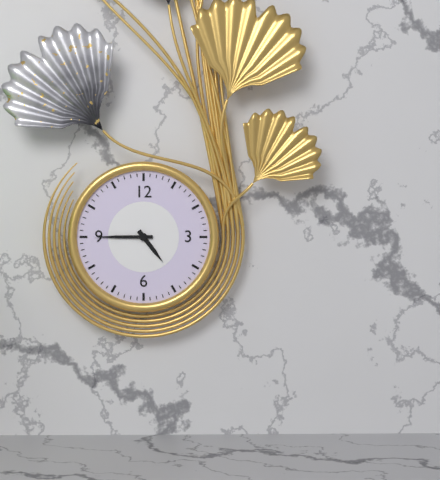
**4:45**
